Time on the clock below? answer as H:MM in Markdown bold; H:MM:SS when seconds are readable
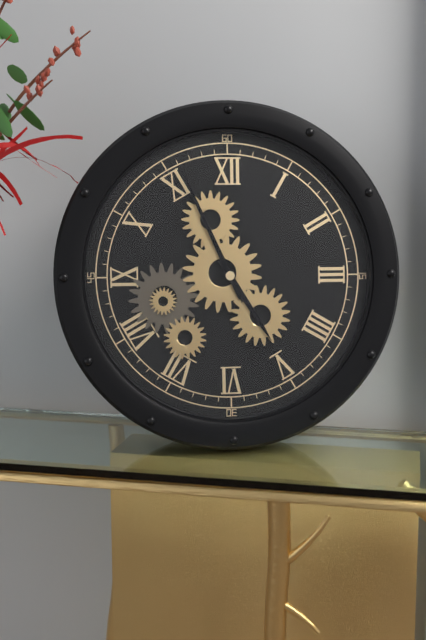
**4:56**
